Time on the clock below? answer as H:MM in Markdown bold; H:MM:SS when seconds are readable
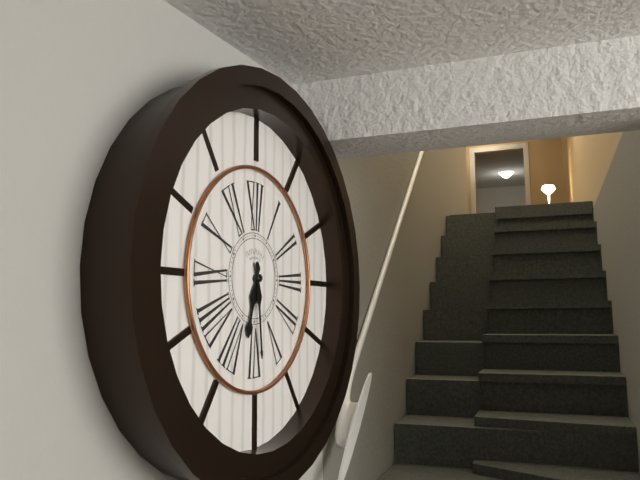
**6:29**
